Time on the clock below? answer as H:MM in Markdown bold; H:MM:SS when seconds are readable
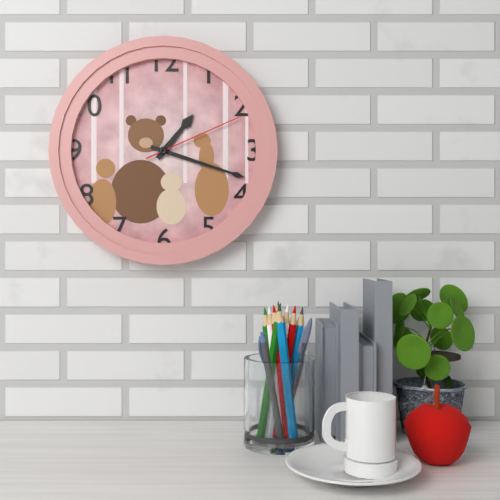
**1:18:11**
